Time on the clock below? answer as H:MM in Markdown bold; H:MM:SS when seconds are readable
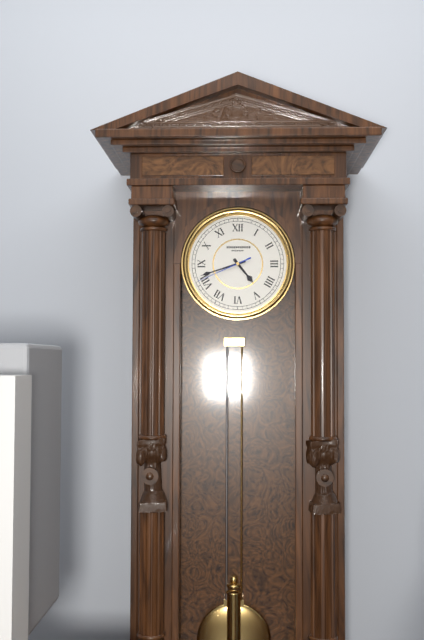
**4:42:41**
